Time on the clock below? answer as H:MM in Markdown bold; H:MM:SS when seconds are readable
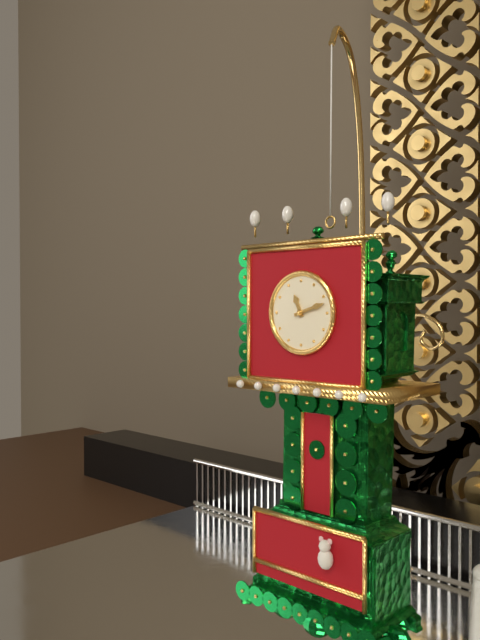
**11:12**
